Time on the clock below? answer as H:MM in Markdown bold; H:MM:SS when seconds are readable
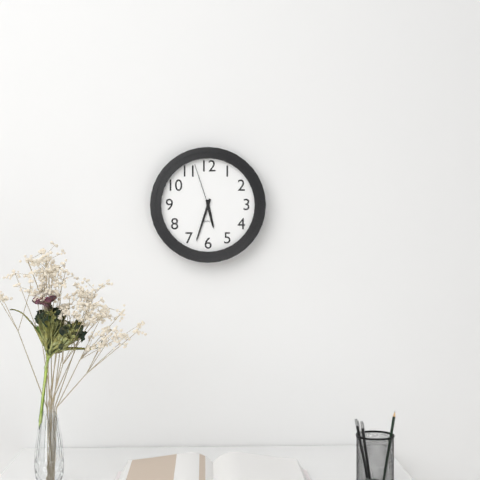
**5:33:57**
